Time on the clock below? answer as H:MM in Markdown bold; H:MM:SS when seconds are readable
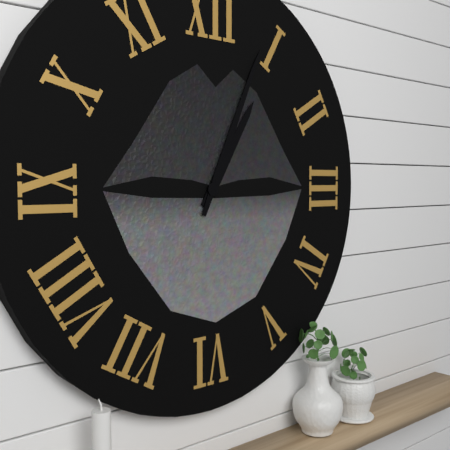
**1:04**
